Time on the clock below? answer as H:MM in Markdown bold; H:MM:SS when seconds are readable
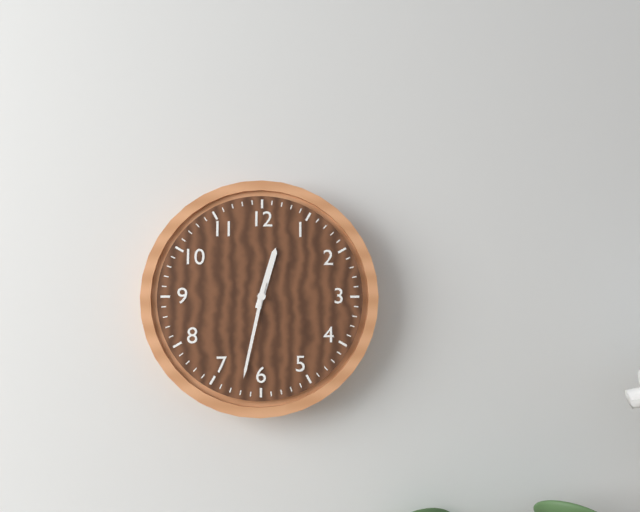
**12:32**
